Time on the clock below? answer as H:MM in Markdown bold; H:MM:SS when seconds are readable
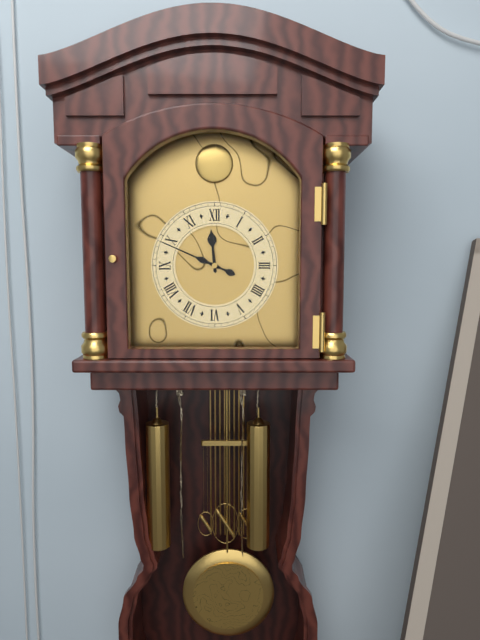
**11:49**
